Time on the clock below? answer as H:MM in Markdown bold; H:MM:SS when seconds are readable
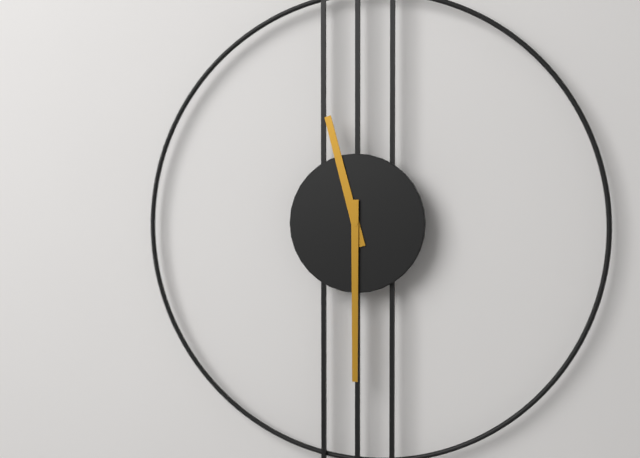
**11:30**
